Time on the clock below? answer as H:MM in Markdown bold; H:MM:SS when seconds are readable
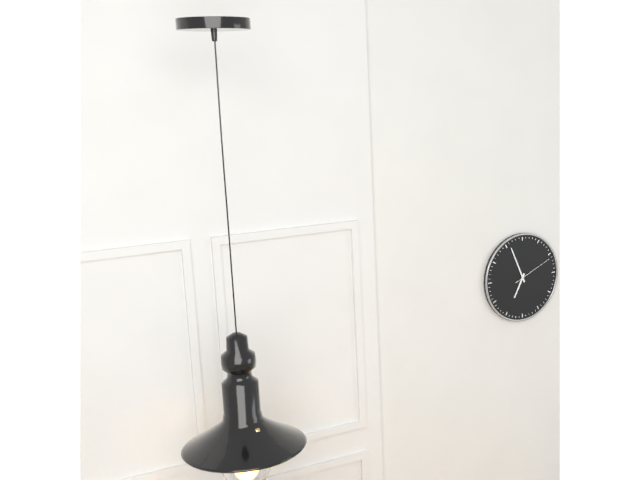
**6:56**
